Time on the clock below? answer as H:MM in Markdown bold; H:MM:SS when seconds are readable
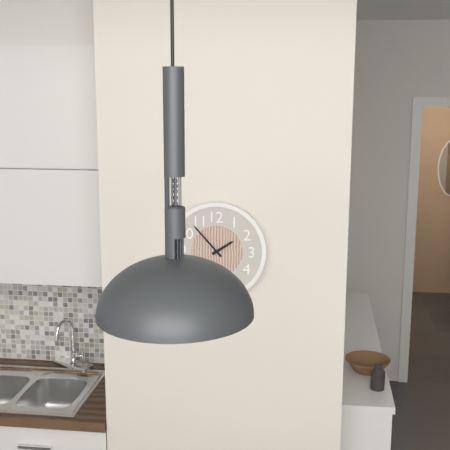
**1:53**
